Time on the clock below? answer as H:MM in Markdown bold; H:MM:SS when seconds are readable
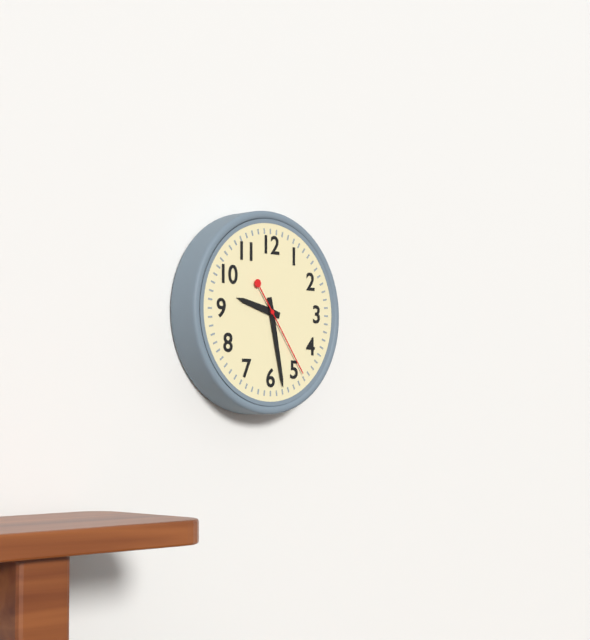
**9:28:24**
